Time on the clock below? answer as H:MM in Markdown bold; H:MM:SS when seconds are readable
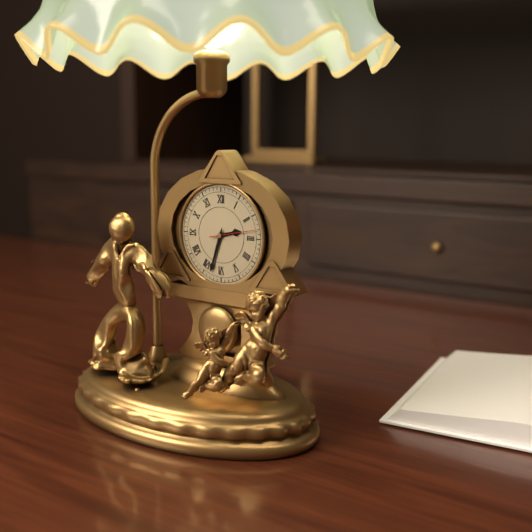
**2:33**
